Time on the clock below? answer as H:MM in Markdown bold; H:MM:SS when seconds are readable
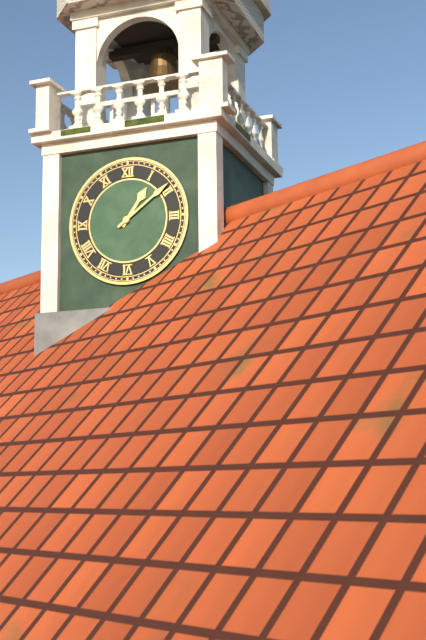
**1:09**
